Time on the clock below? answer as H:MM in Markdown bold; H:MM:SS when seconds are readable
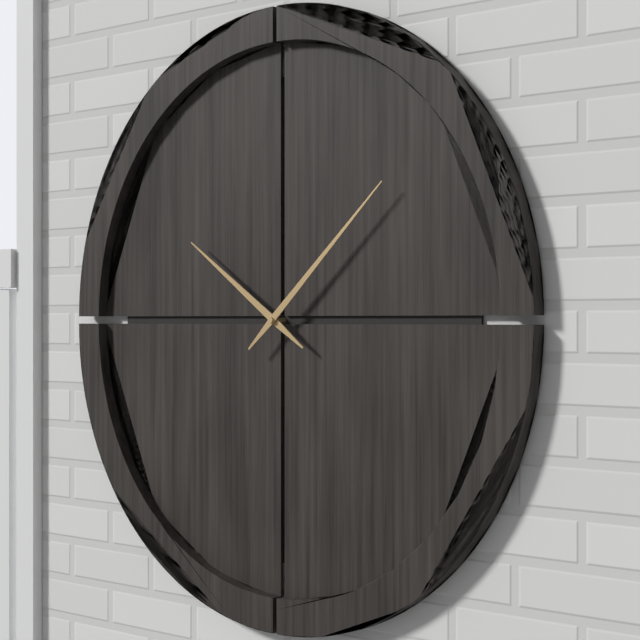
**10:08**
